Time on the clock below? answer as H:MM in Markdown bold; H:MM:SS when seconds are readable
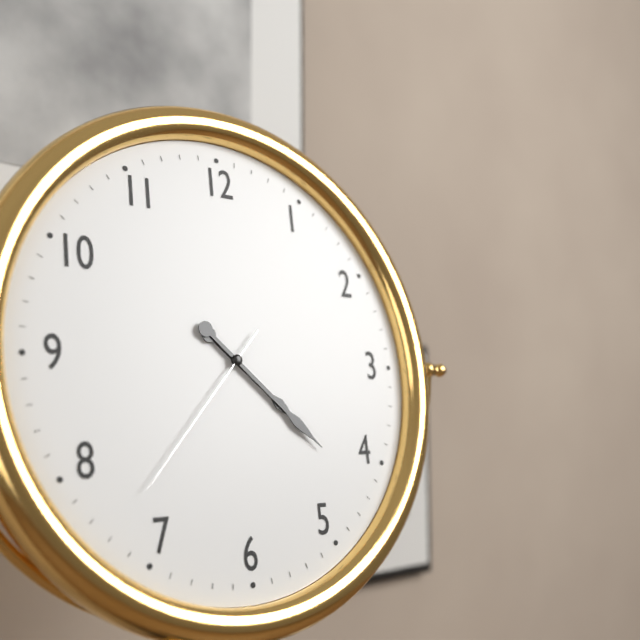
**4:22:37**
